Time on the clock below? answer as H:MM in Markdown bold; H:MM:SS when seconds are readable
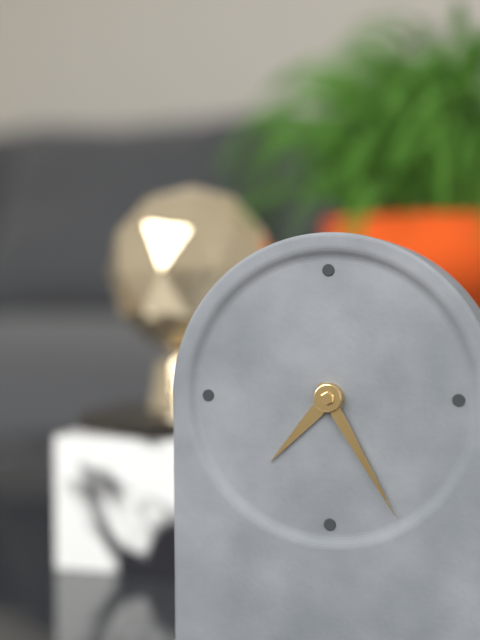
**7:25**
